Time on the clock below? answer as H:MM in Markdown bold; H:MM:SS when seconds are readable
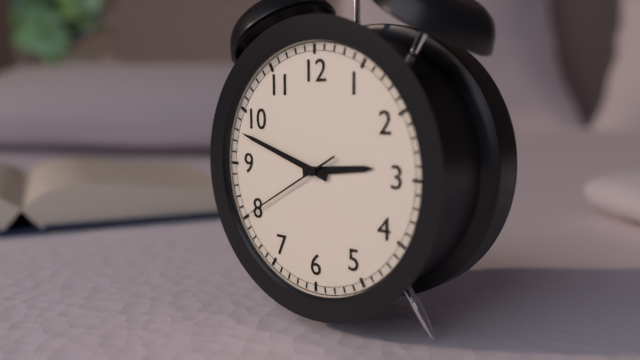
**2:48:40**
